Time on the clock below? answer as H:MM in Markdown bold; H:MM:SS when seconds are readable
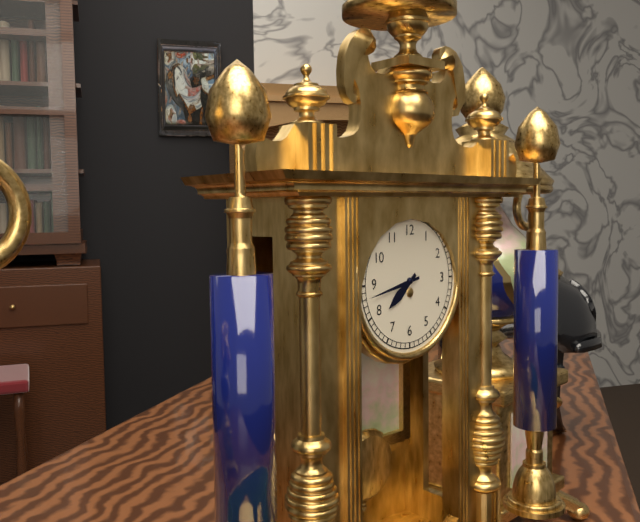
**7:43**
